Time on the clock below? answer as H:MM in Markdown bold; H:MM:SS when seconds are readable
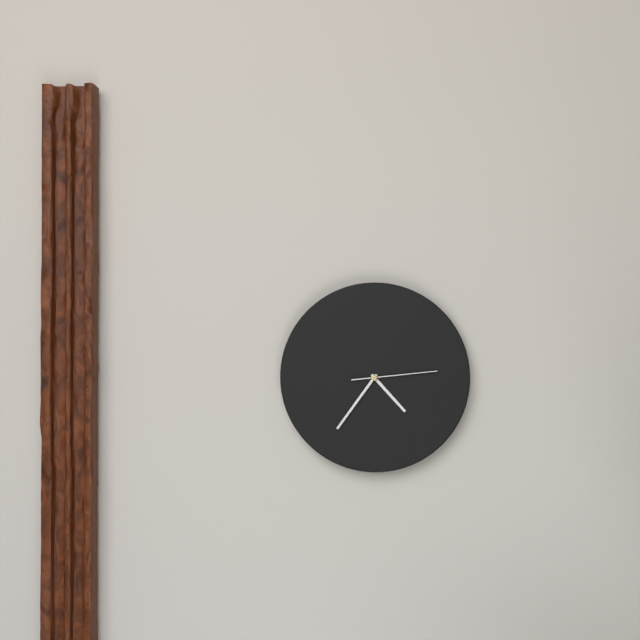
**4:36:14**
